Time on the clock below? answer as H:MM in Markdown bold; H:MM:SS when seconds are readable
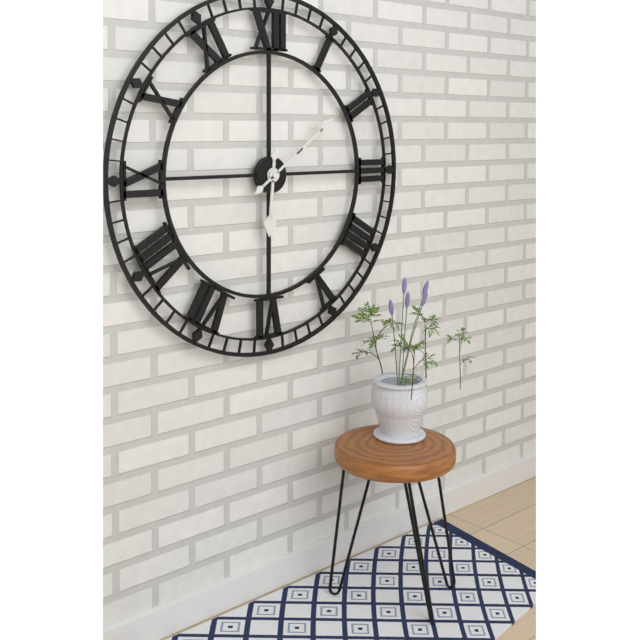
**6:09**
